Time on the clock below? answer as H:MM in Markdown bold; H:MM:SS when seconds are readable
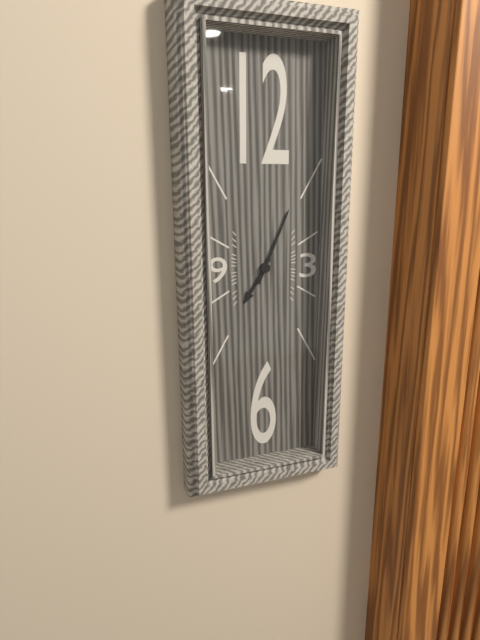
**7:04**
